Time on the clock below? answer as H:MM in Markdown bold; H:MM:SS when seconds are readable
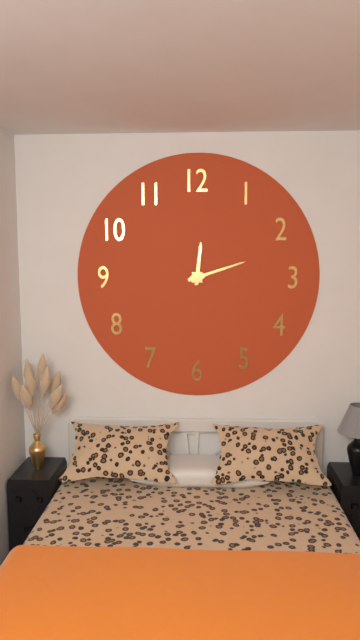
**12:12**
